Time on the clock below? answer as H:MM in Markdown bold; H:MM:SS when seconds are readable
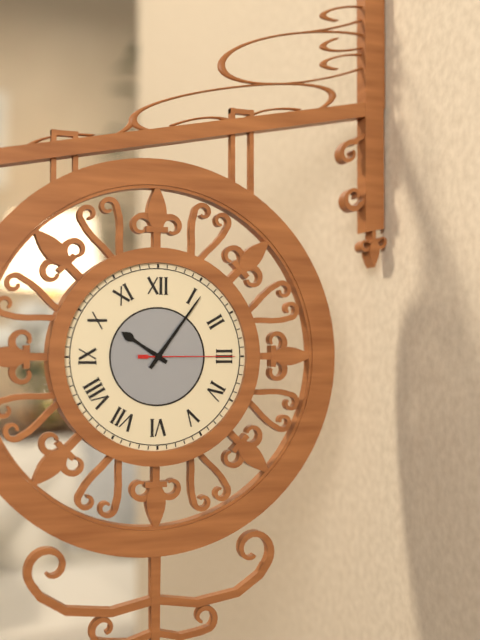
**10:06:15**
